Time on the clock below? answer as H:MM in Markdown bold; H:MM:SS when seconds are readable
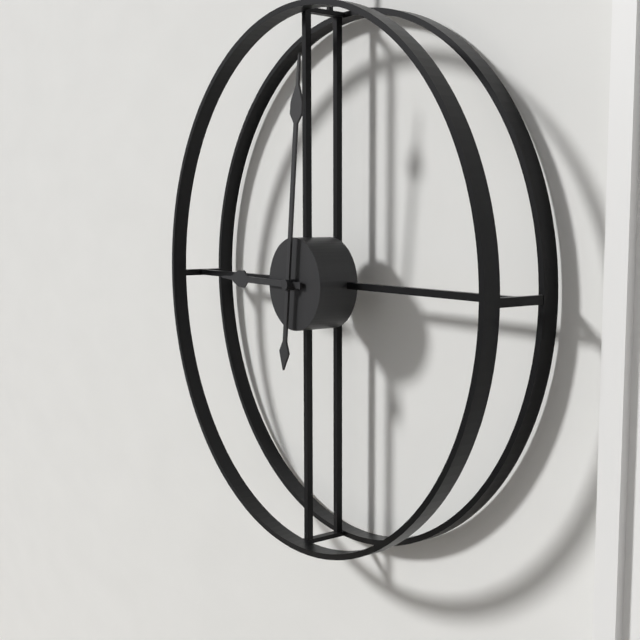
**9:01**
